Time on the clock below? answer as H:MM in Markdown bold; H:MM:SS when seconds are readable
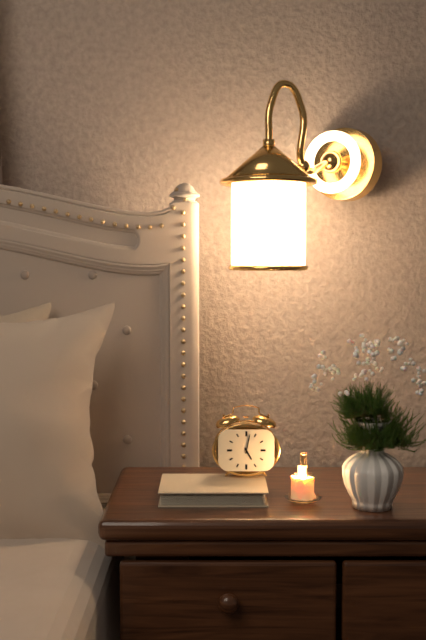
**5:02**
